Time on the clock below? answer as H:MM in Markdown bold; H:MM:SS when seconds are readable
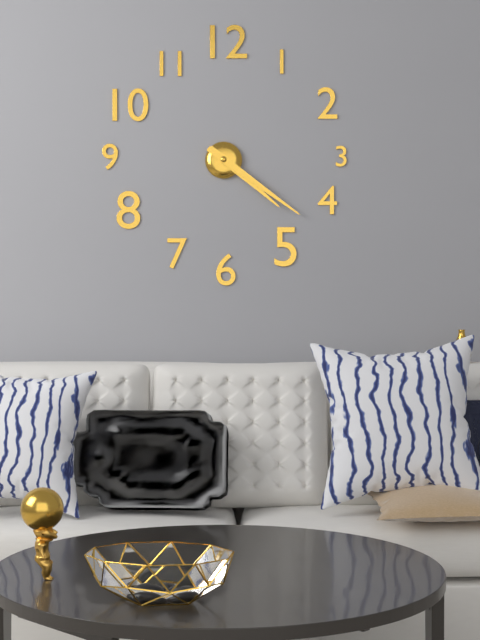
**4:21**
